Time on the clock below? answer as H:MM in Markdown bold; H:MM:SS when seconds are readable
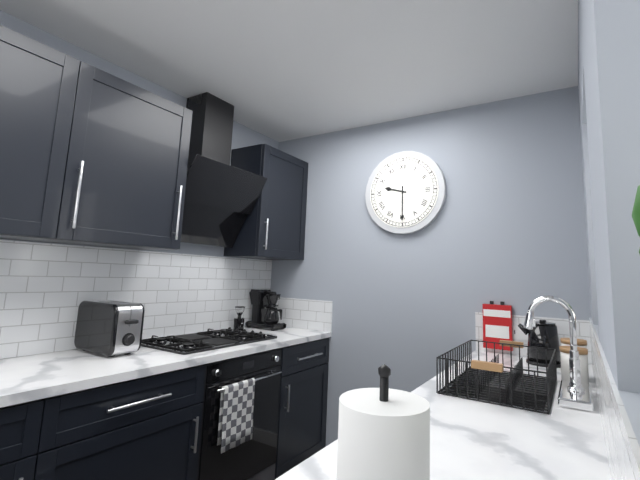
**9:30**
